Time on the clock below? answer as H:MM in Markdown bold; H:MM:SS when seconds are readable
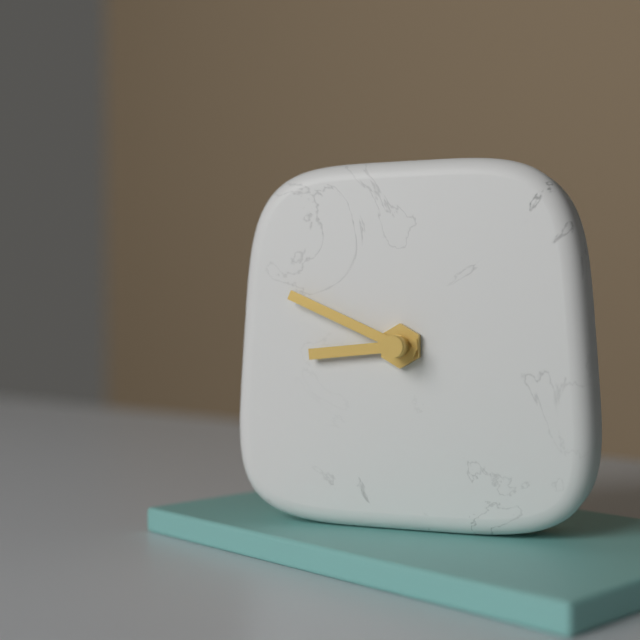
**8:49**
